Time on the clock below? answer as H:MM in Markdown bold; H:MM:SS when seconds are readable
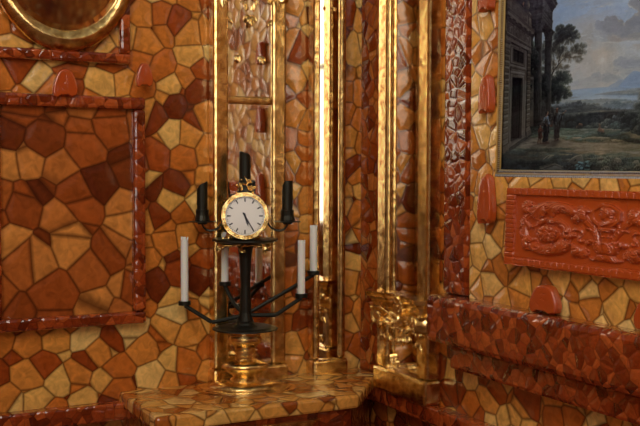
**5:25**
